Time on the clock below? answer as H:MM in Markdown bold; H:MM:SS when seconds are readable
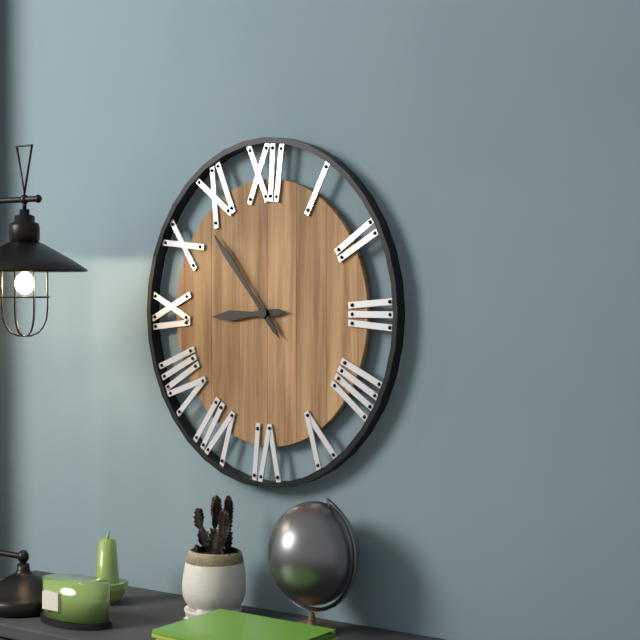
**8:53**
